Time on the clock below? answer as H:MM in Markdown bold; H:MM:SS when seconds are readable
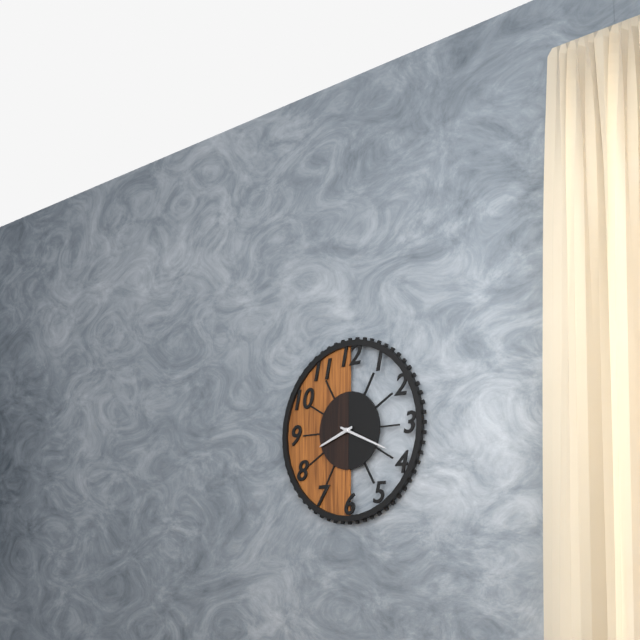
**8:19**
